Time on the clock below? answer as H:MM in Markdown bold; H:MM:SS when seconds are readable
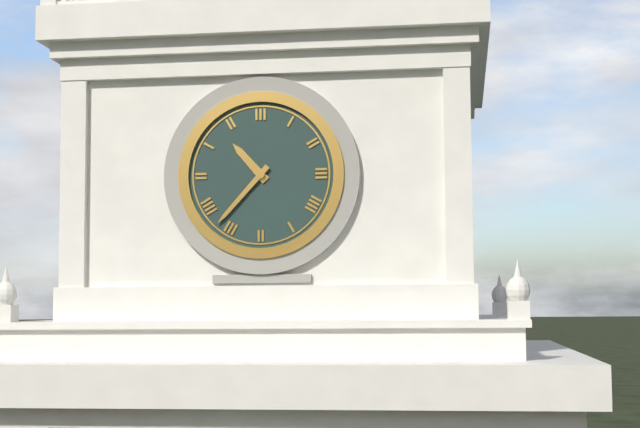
**10:37**
